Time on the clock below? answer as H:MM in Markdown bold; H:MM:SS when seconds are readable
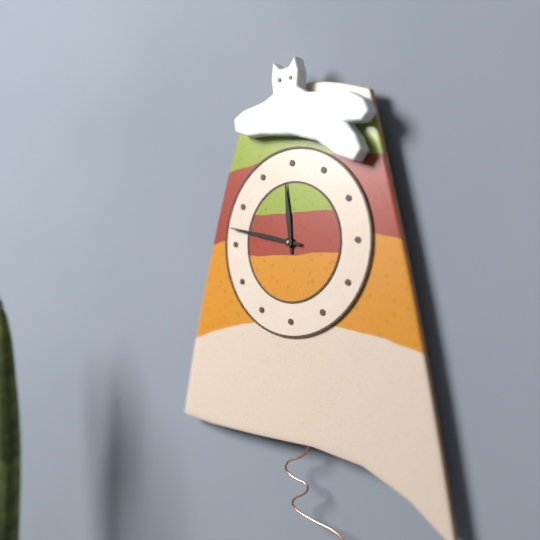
**11:47**
